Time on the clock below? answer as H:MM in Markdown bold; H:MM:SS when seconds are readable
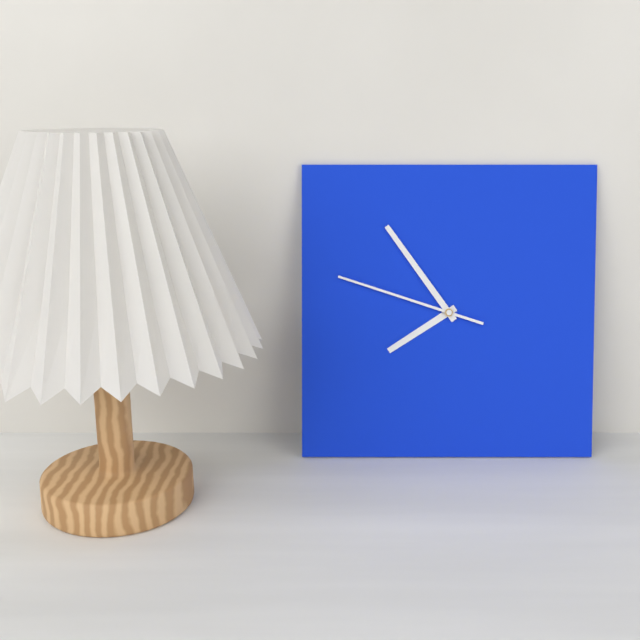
**7:54:48**
